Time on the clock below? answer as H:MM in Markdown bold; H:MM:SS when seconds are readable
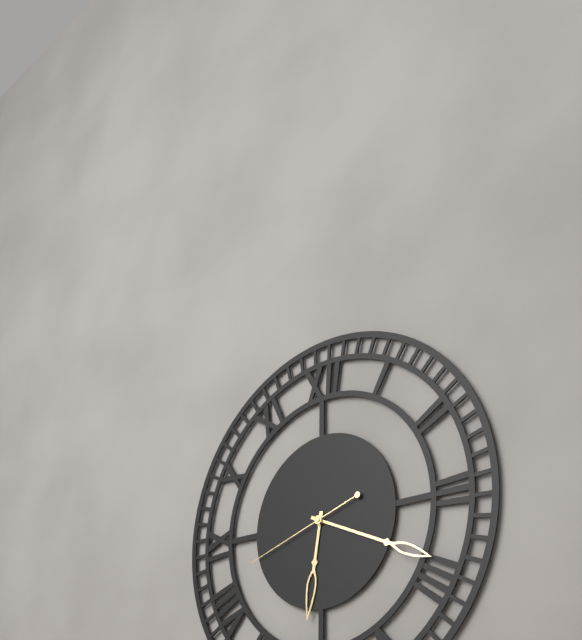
**6:19:42**
